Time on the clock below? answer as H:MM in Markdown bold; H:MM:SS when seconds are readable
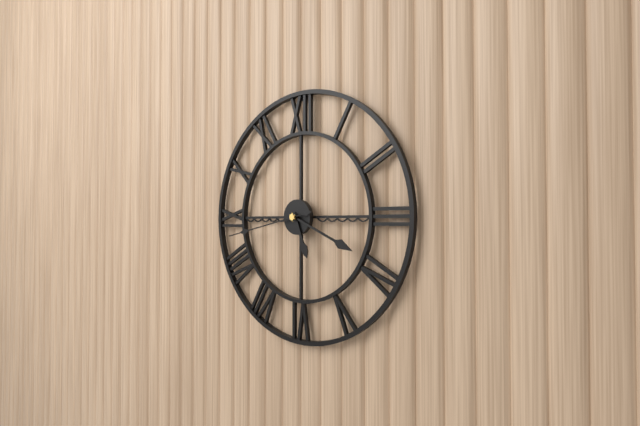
**5:19:43**
